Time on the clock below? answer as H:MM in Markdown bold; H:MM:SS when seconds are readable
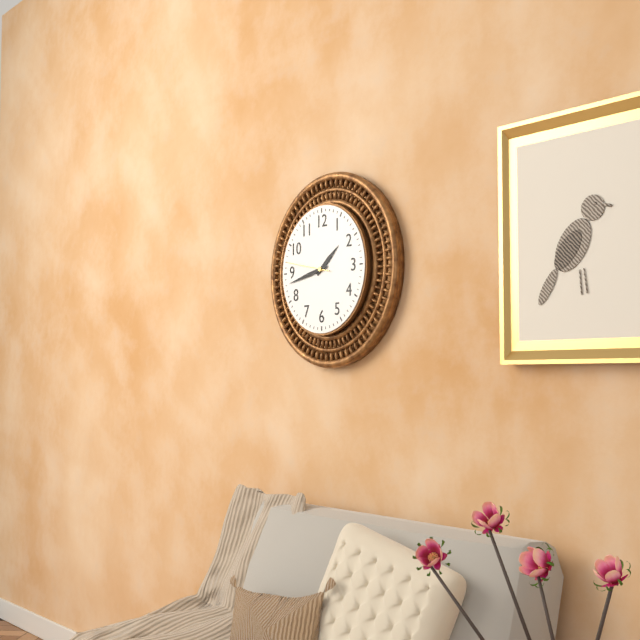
**1:43**
